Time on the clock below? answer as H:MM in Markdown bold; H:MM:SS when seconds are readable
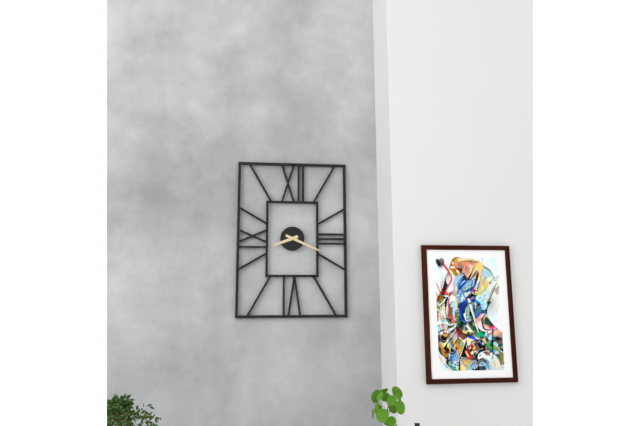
**8:19**
